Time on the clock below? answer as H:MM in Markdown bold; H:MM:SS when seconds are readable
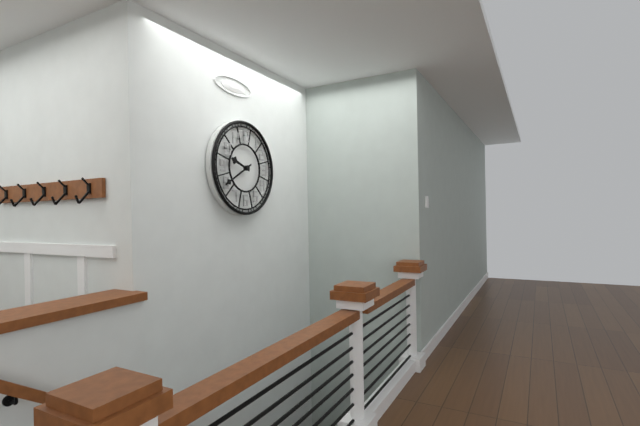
**9:40**
